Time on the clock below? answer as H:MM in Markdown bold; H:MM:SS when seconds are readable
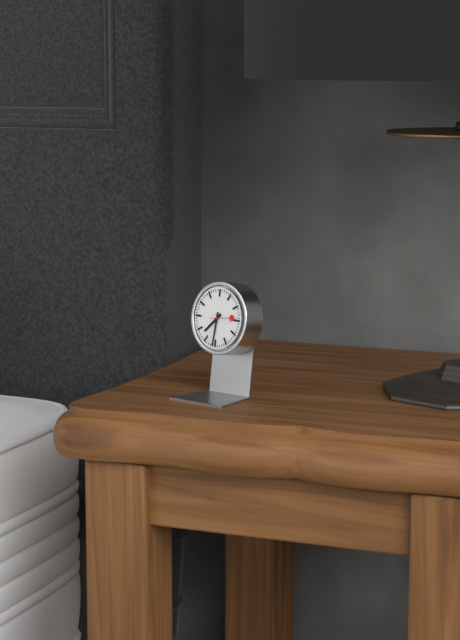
**7:31**
